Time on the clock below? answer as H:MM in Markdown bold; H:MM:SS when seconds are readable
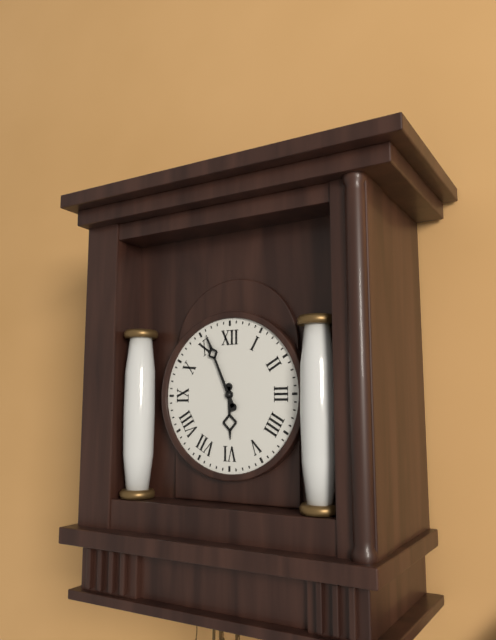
**5:56**
